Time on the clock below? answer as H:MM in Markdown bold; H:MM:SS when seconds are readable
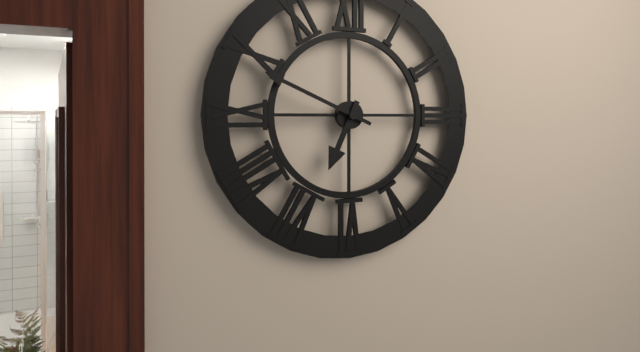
**6:49**
